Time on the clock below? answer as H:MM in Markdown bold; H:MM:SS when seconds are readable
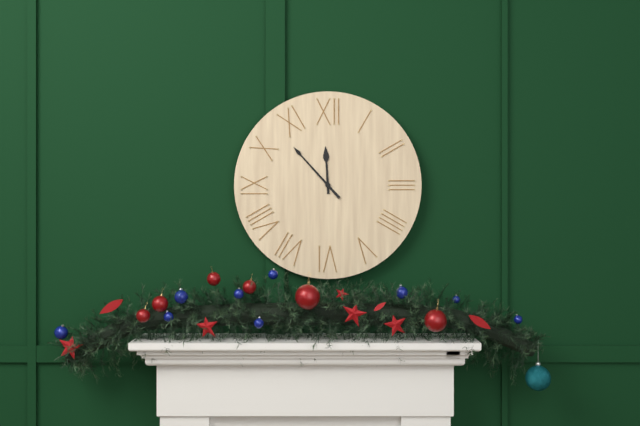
**11:53**
